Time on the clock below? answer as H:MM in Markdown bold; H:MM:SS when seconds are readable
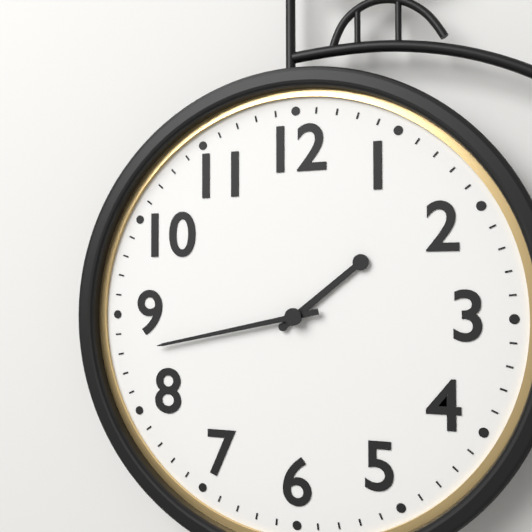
**1:43**
